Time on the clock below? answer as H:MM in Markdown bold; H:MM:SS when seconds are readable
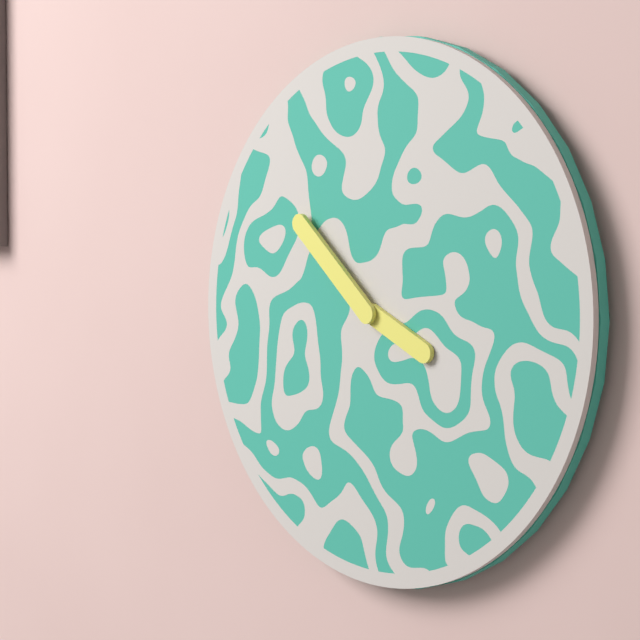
**3:52**
